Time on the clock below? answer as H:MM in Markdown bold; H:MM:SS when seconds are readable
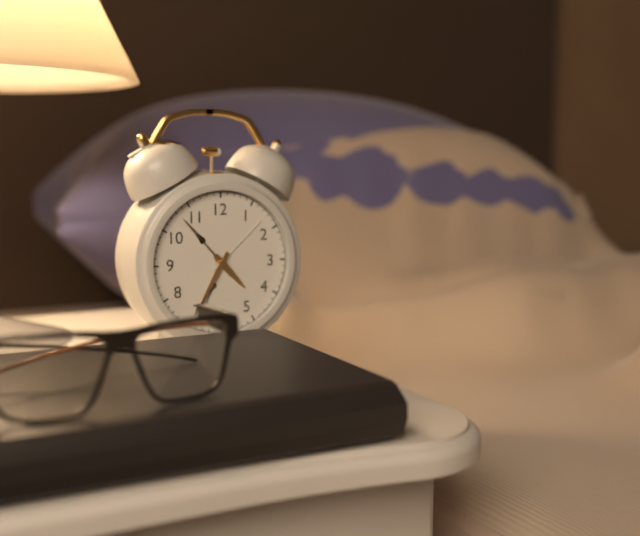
**4:35:53**
